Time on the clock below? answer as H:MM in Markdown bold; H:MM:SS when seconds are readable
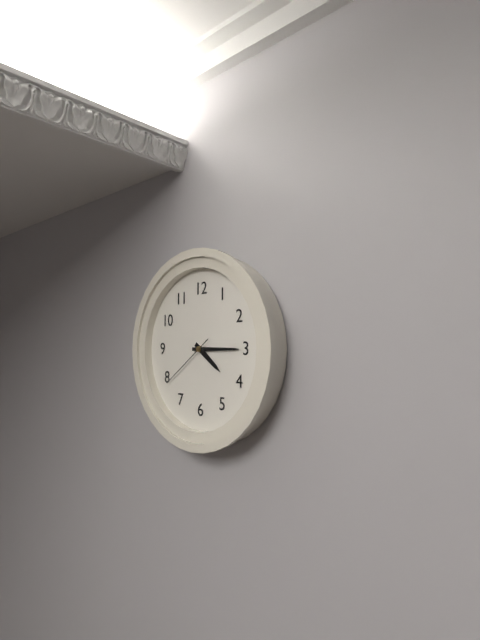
**4:15:39**
